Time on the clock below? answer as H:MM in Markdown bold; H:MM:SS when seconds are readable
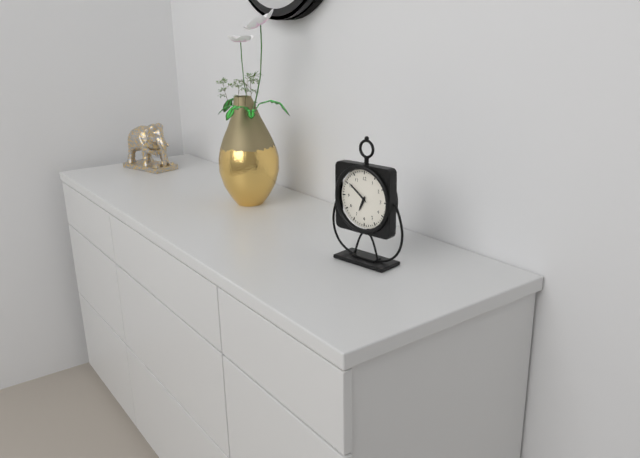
**6:51**
